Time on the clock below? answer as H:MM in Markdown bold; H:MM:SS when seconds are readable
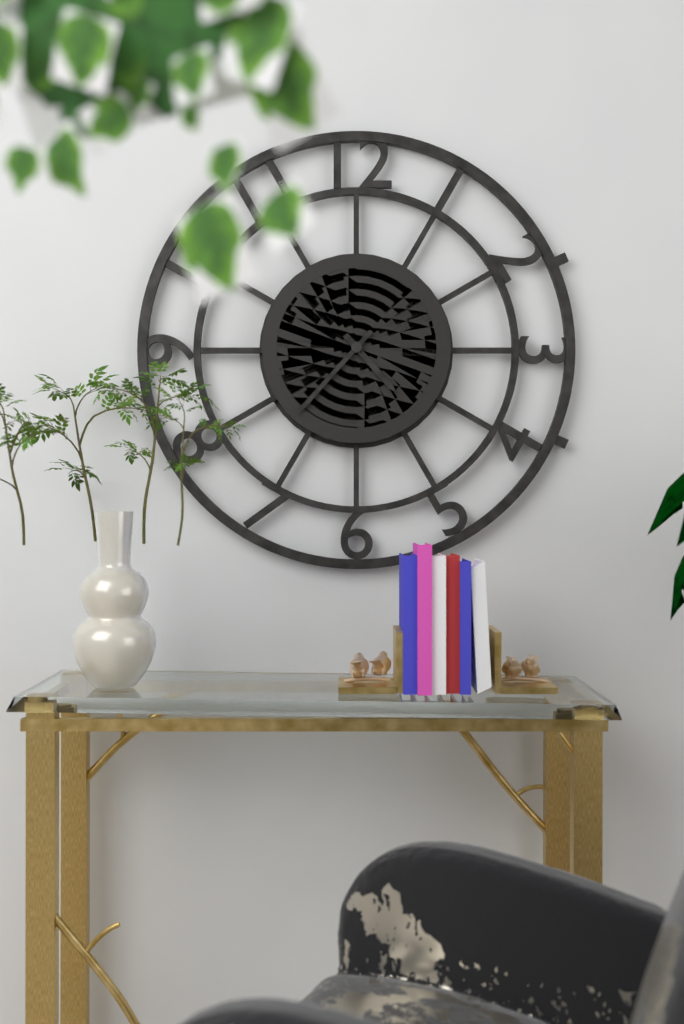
**4:37**
